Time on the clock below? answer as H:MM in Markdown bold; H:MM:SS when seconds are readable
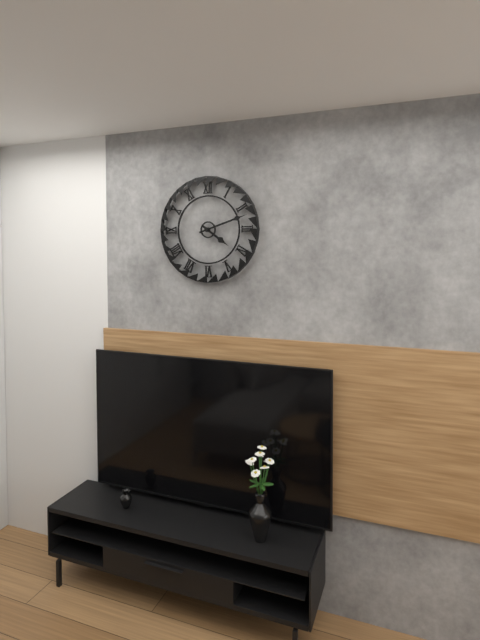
**4:12**
